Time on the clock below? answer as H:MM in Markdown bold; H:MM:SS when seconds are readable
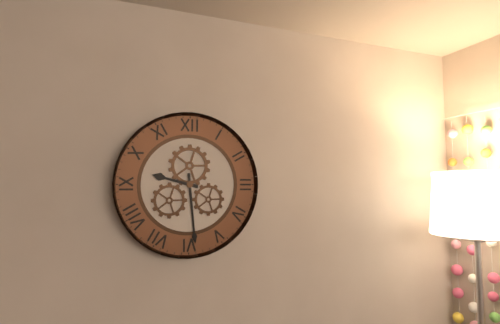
**9:29**
